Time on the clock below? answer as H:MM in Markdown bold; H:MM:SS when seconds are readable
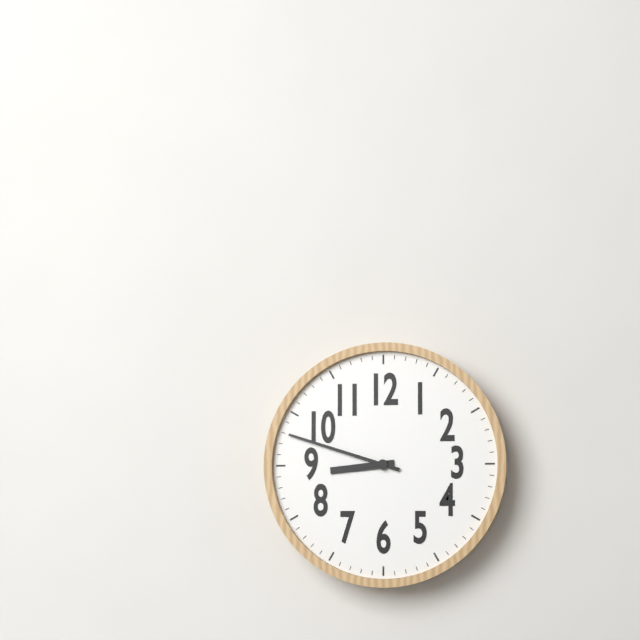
**8:48**
